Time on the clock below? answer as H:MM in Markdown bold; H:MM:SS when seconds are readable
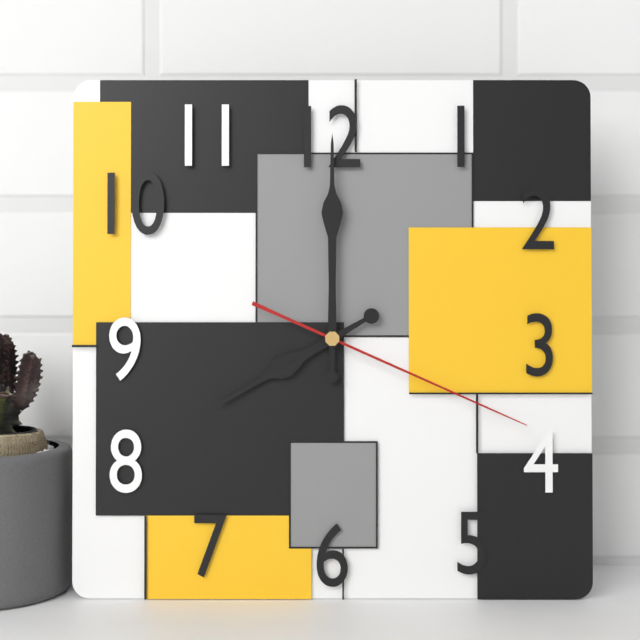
**8:00:19**
